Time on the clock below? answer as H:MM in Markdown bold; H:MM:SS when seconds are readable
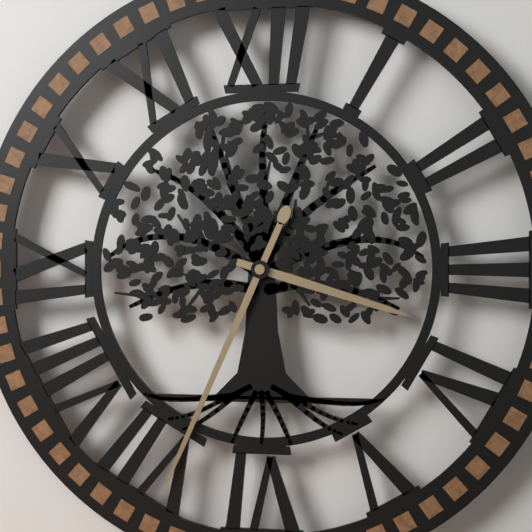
**3:34**
